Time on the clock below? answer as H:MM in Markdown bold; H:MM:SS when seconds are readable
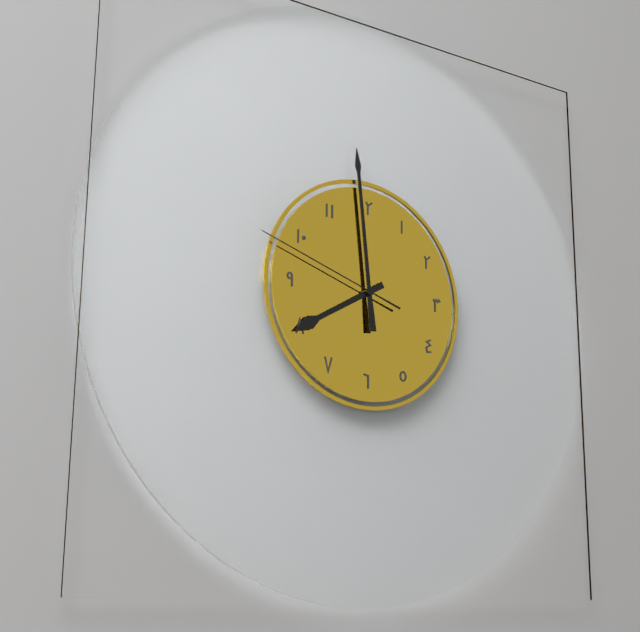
**7:59:48**
